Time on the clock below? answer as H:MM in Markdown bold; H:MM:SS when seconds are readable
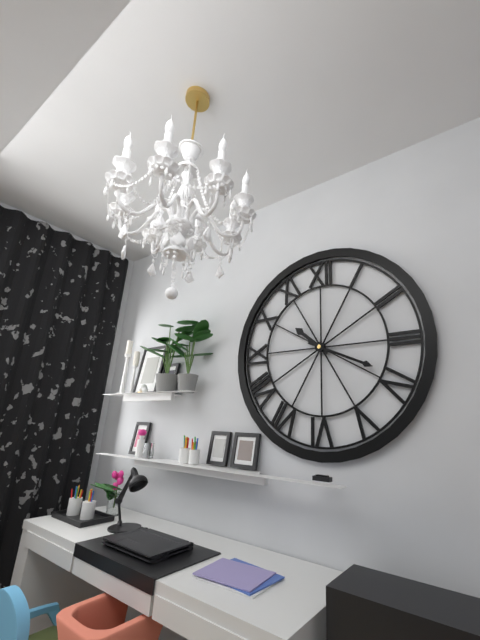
**10:19**
